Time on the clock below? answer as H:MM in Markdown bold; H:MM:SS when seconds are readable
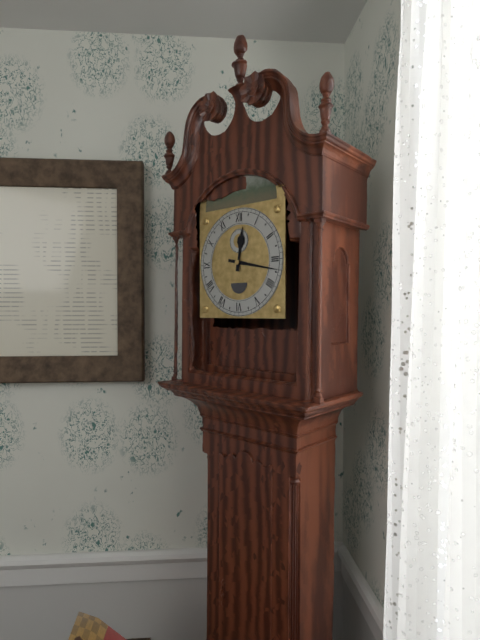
**12:17**
